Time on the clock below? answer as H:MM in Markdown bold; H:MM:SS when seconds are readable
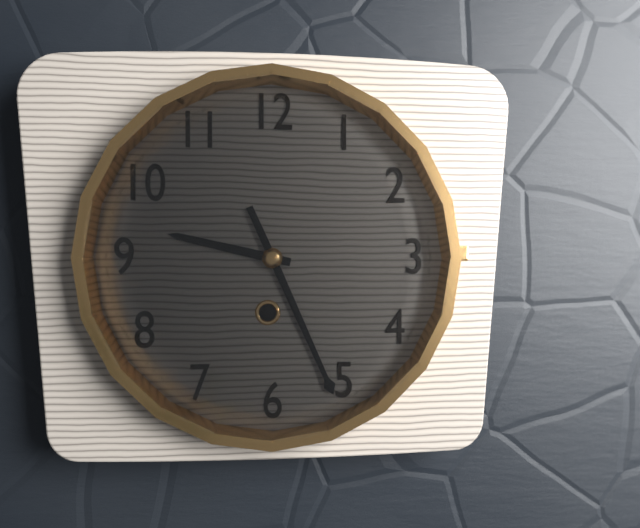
**9:26**
